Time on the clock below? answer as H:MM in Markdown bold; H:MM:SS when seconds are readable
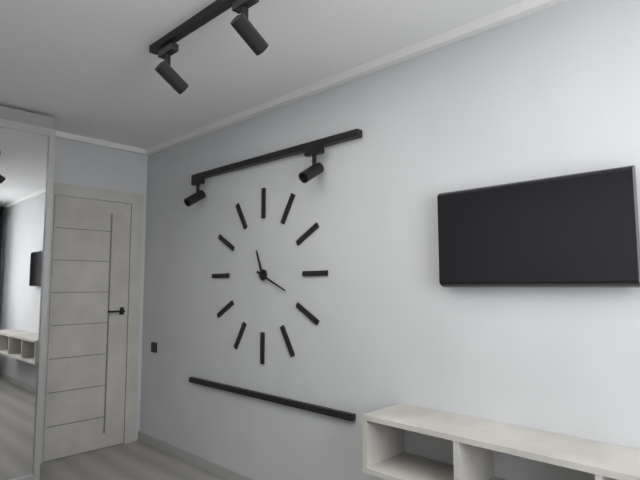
**11:19**
